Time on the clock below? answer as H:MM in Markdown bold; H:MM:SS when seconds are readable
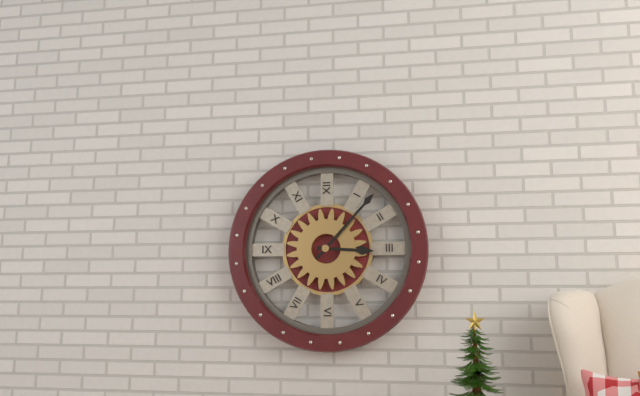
**3:07**
